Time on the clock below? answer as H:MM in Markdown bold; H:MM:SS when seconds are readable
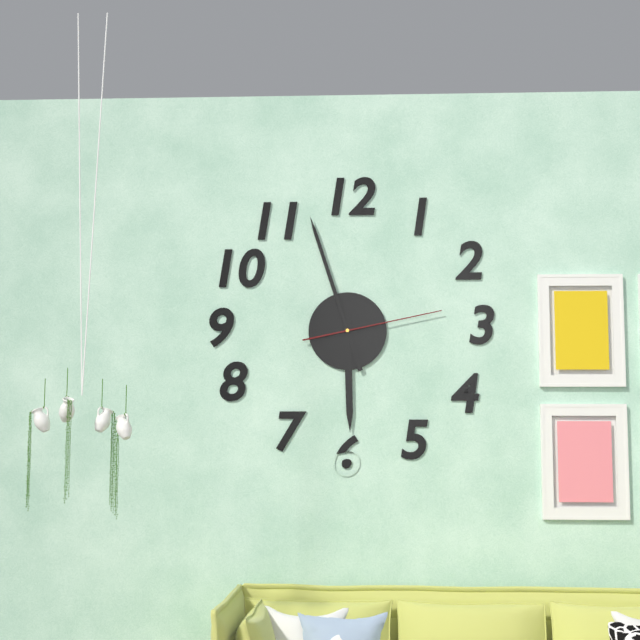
**5:57:13**
